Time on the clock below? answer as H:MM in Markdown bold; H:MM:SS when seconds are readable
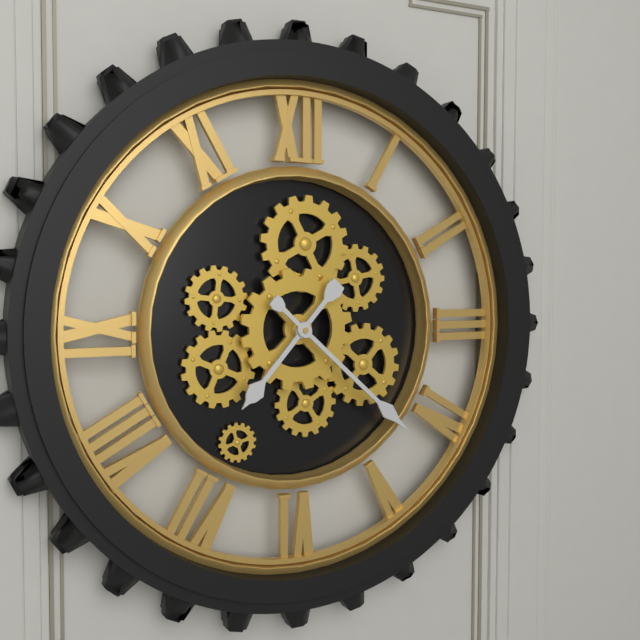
**7:22**
